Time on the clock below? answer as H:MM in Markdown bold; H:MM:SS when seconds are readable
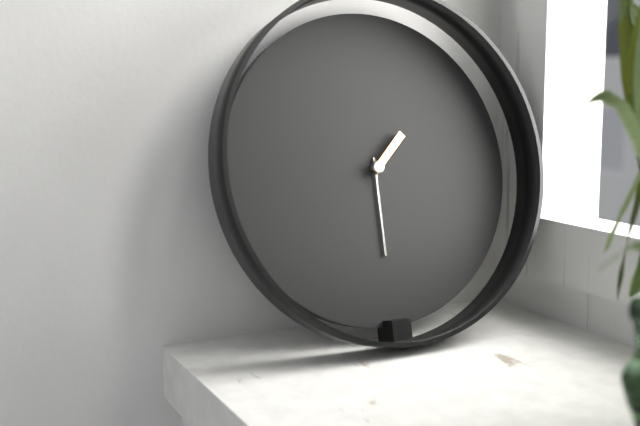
**1:30**
